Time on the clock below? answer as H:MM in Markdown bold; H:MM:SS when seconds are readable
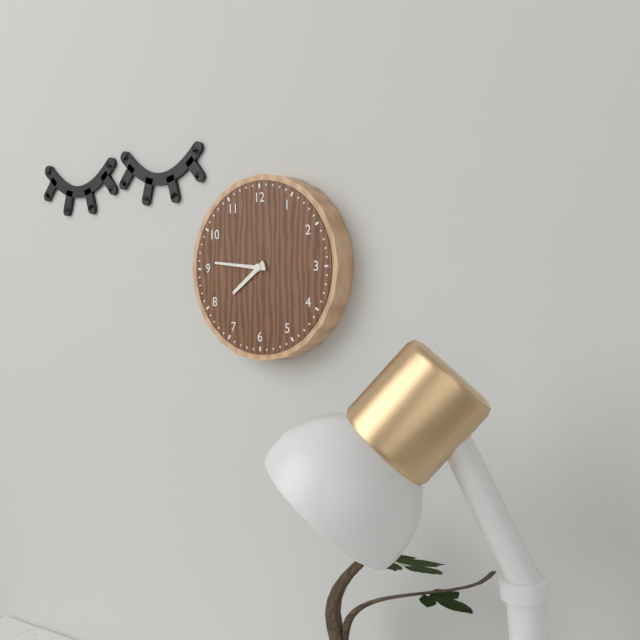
**7:46**
